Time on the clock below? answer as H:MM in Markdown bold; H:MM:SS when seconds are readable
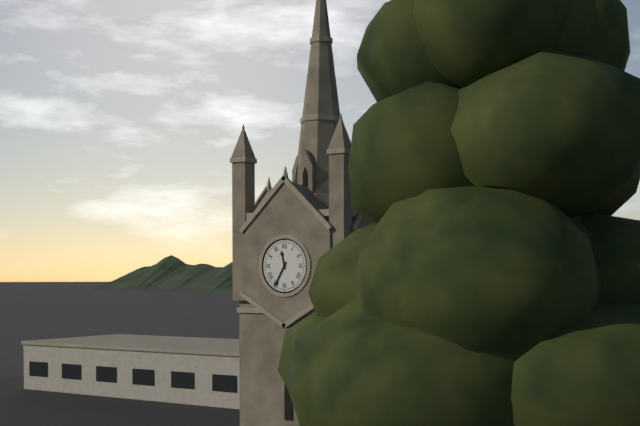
**11:35**
